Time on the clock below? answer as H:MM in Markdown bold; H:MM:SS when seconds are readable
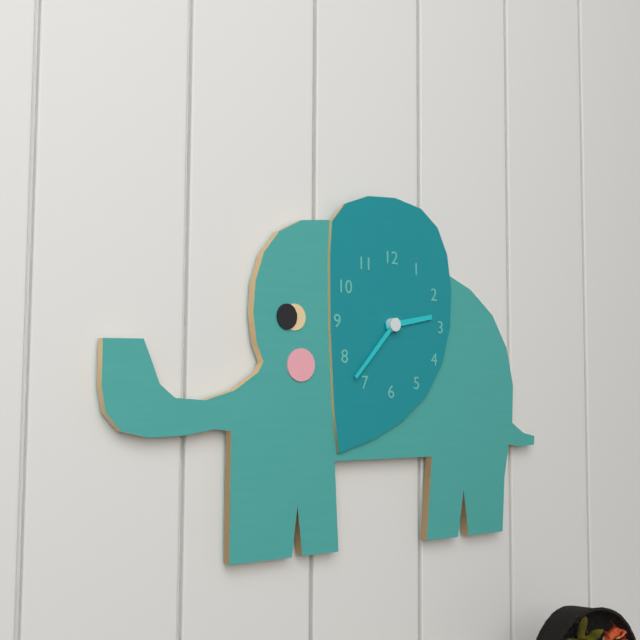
**2:37**
